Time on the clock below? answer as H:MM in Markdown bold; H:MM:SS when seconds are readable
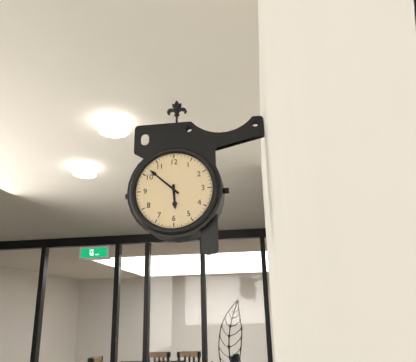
**5:52**
